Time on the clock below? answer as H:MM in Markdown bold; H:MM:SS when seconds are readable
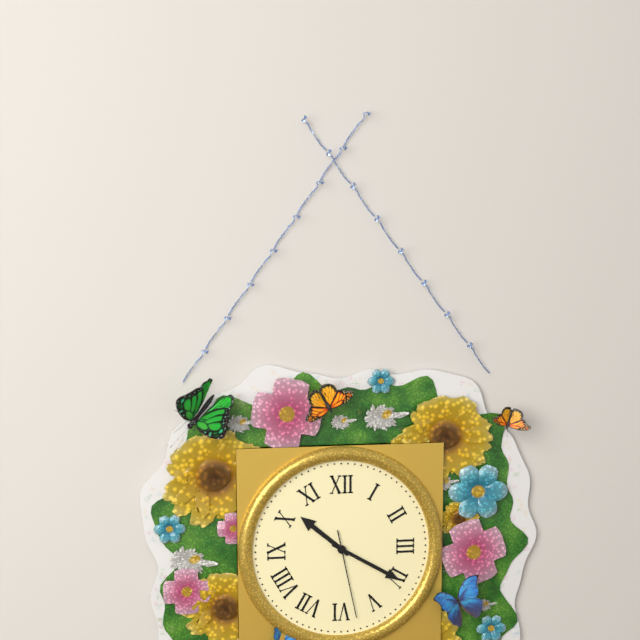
**10:20:28**
